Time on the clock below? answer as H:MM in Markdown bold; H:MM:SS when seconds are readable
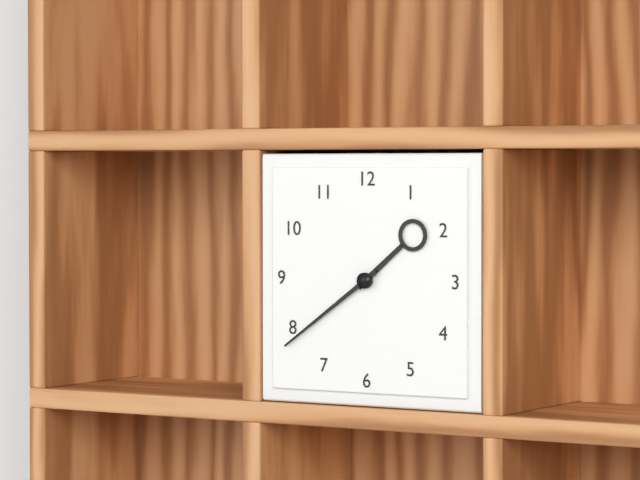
**1:39**
